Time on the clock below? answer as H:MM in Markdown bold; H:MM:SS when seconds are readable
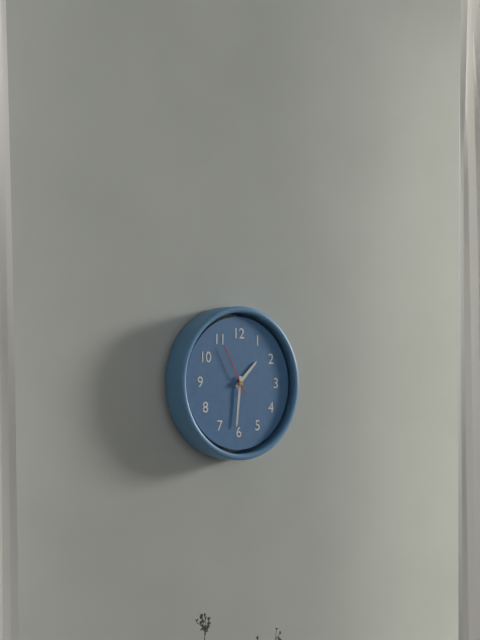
**1:31:55**
